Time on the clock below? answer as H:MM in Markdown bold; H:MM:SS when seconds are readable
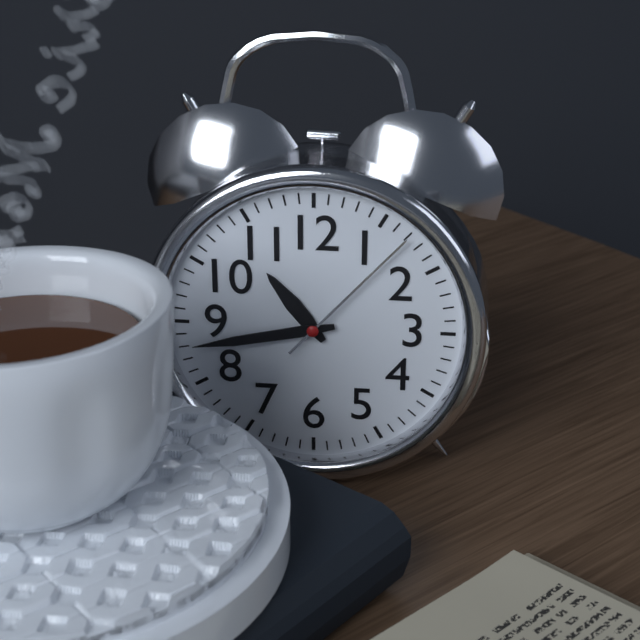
**10:43:07**
